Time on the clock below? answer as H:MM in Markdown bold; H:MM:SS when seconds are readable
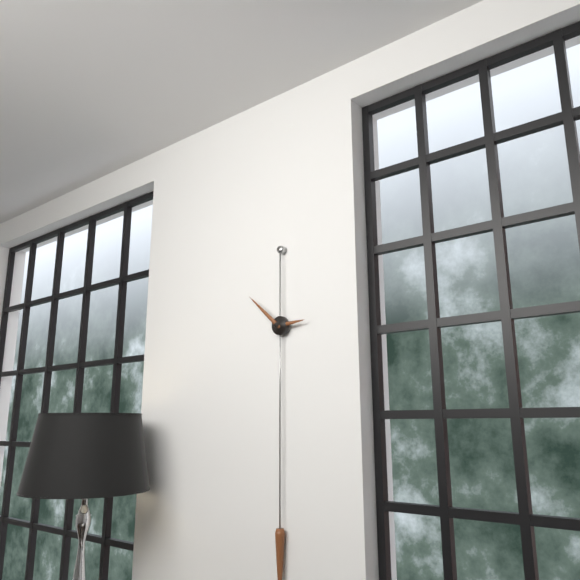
**2:52**
